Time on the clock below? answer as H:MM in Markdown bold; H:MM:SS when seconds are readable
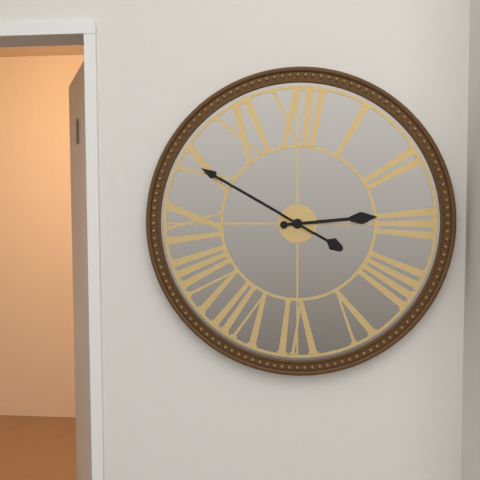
**2:50**
